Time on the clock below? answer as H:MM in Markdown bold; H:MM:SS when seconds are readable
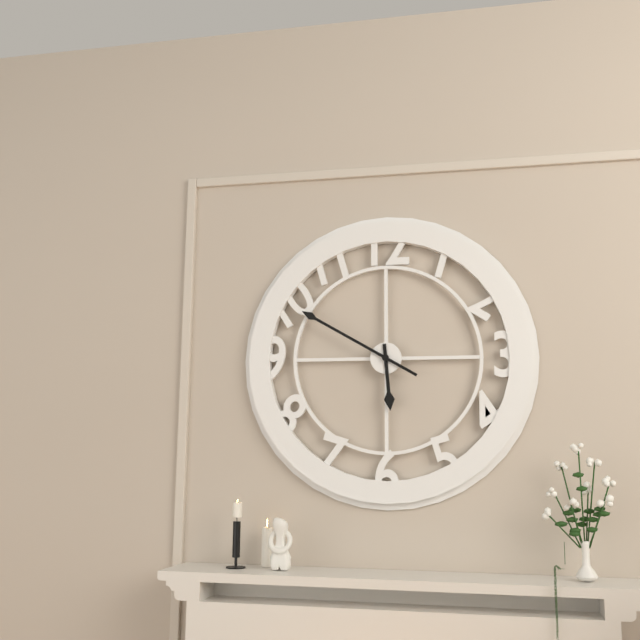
**5:50**
